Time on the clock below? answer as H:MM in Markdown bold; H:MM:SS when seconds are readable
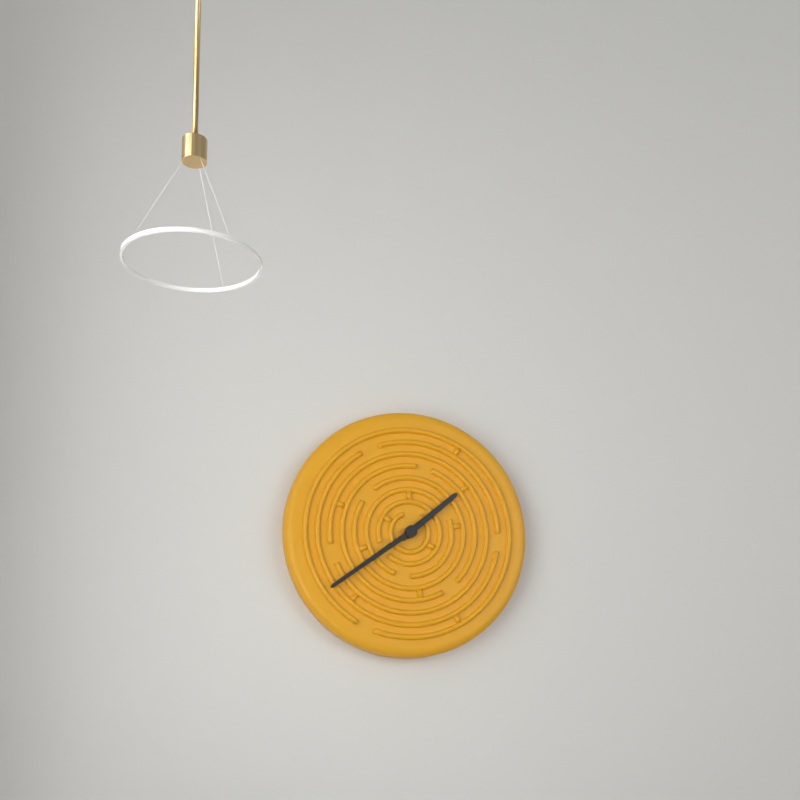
**1:39**
